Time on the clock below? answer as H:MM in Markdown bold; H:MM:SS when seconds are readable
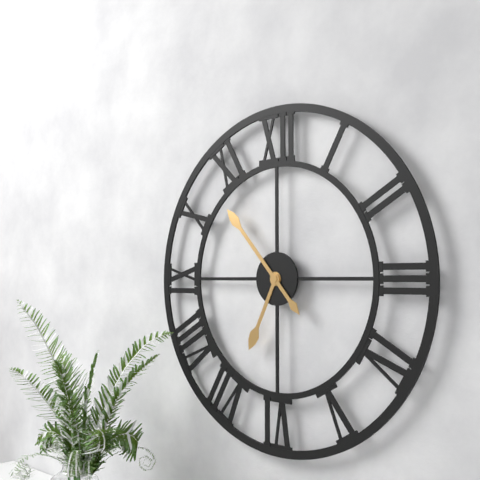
**6:53**
